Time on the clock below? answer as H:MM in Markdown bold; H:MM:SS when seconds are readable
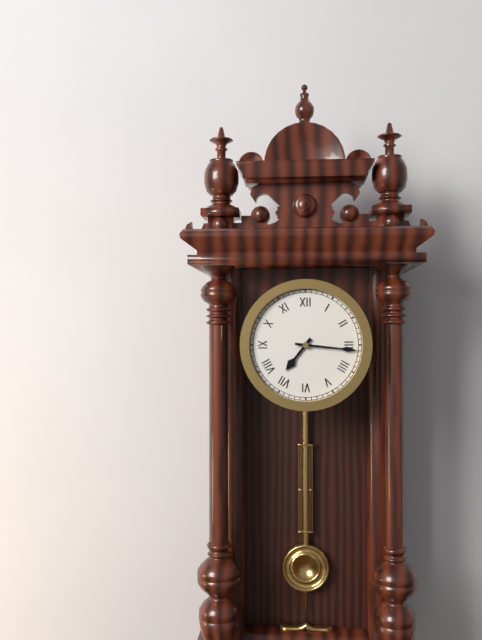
**7:16**
